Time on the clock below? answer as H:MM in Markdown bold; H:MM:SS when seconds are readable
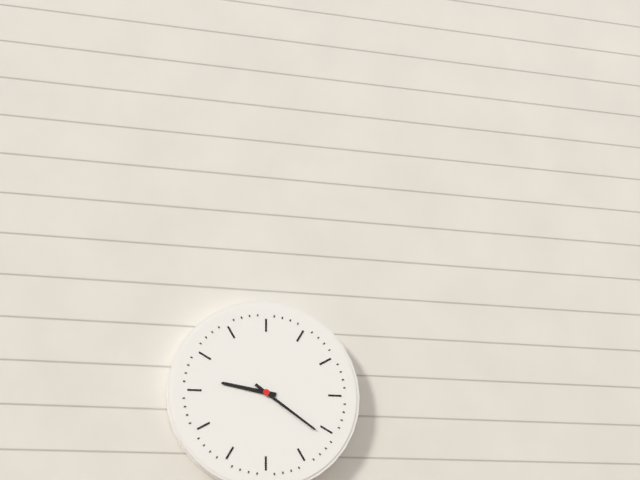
**9:21**
